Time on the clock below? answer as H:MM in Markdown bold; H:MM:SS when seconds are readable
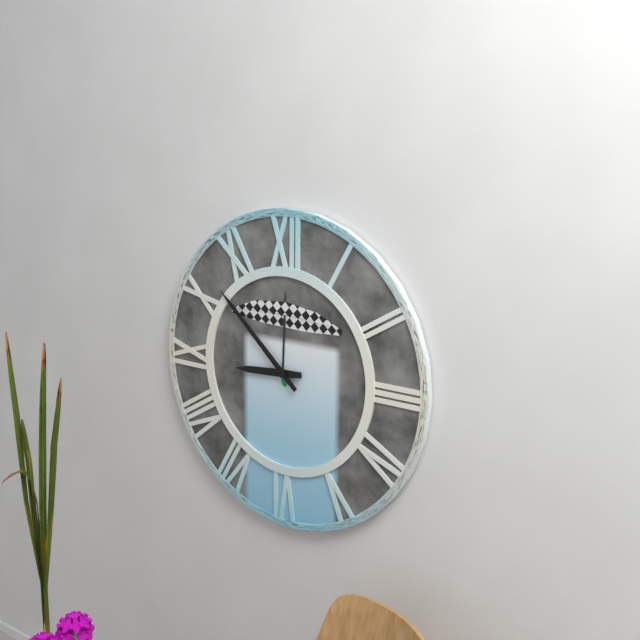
**8:52**
